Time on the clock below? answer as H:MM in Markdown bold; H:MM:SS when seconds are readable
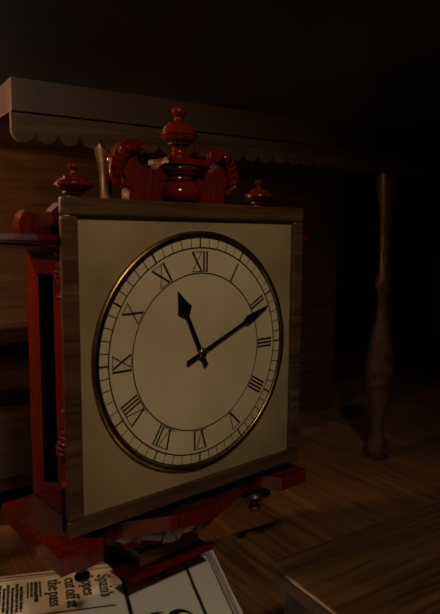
**11:11**
